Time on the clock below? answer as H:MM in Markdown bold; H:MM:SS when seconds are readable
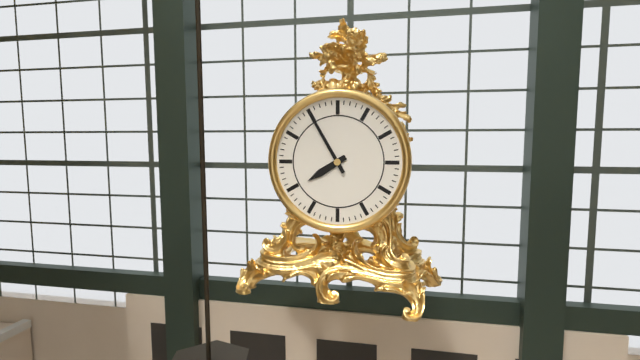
**7:55**
